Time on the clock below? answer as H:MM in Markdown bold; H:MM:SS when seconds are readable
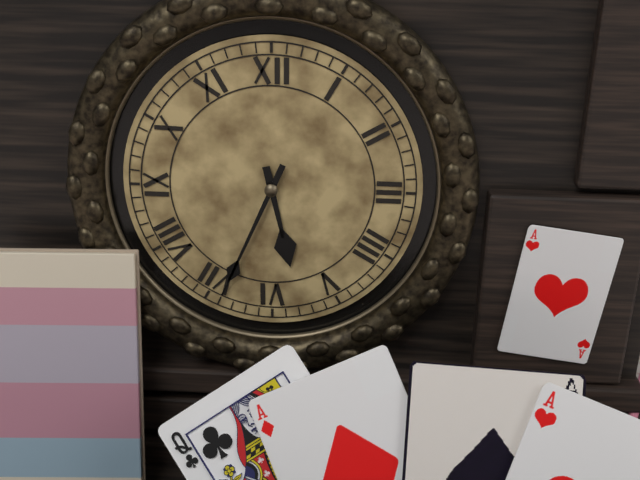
**5:34**
